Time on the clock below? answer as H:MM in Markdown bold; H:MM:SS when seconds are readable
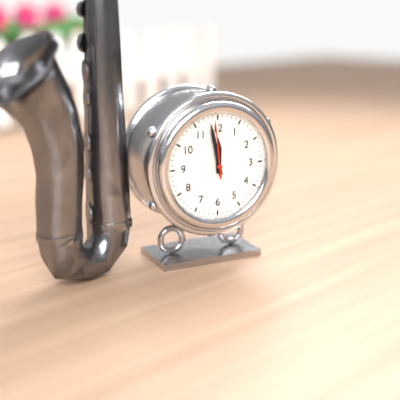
**11:58:59**
